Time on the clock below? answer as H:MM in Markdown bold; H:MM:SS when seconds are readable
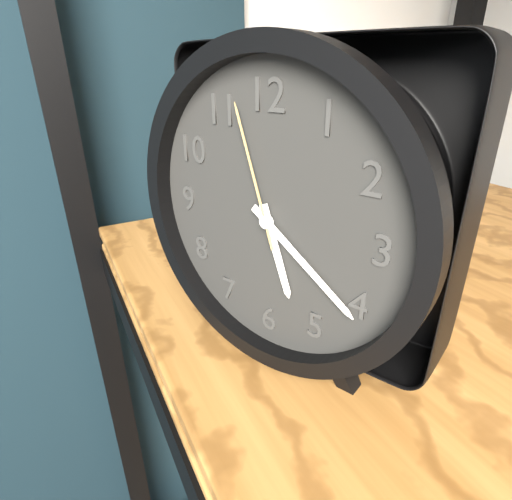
**5:21:57**
